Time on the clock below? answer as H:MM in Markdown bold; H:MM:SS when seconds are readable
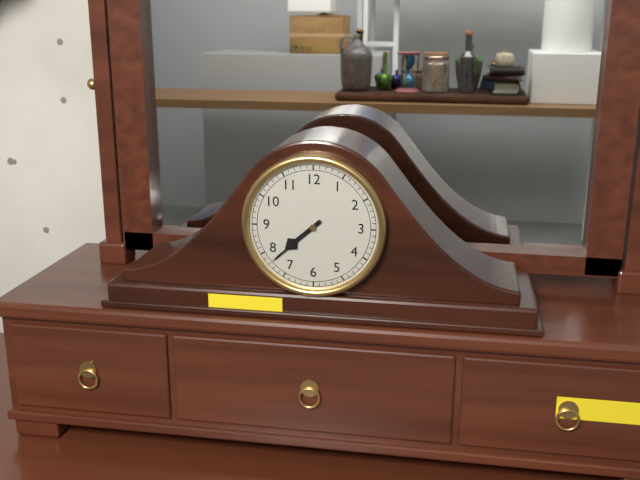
**7:38**
